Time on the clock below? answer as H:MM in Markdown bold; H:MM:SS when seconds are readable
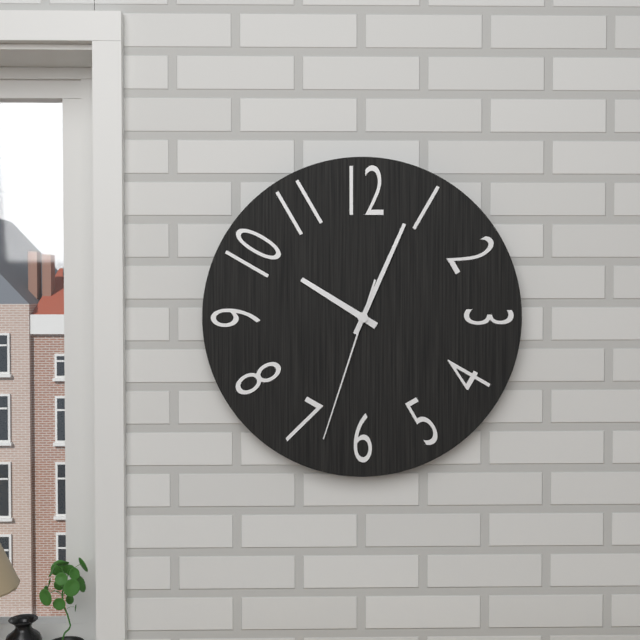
**10:04:33**
